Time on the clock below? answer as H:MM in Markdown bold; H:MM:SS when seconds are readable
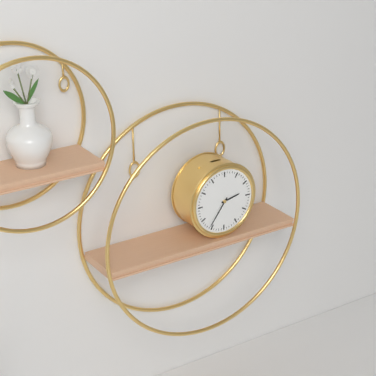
**2:36**
